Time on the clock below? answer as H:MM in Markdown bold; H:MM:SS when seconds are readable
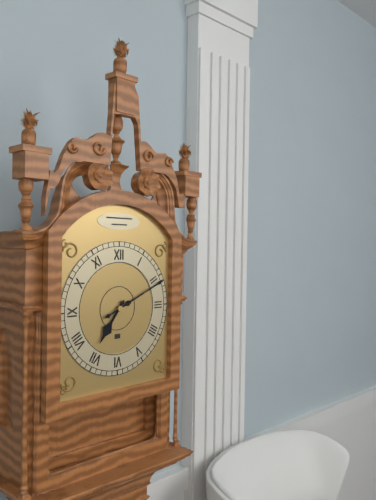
**7:11**
